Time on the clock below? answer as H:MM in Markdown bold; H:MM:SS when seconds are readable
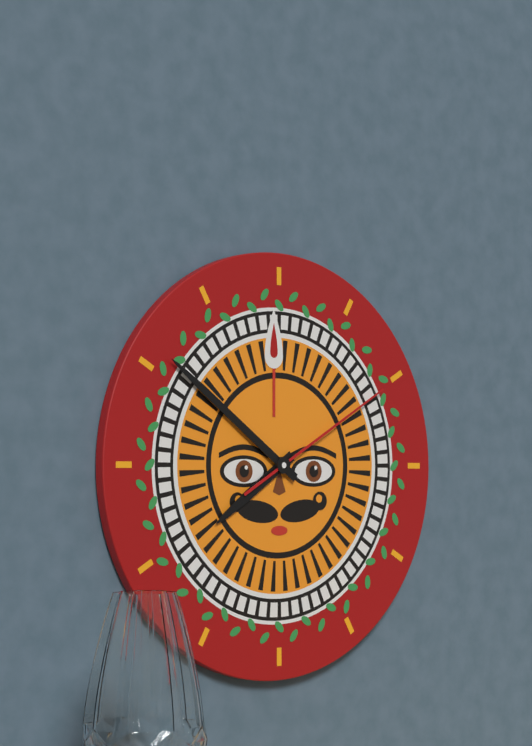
**7:51:10**
